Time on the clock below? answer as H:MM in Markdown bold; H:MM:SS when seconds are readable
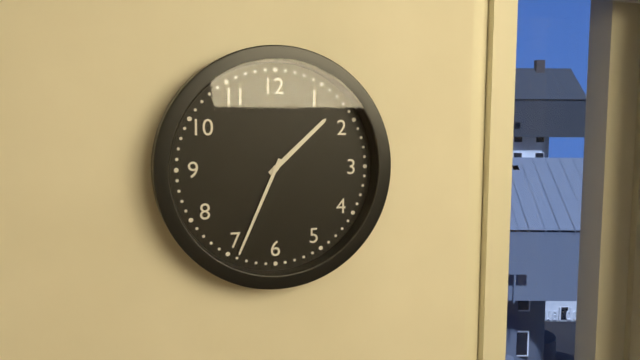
**1:34**
